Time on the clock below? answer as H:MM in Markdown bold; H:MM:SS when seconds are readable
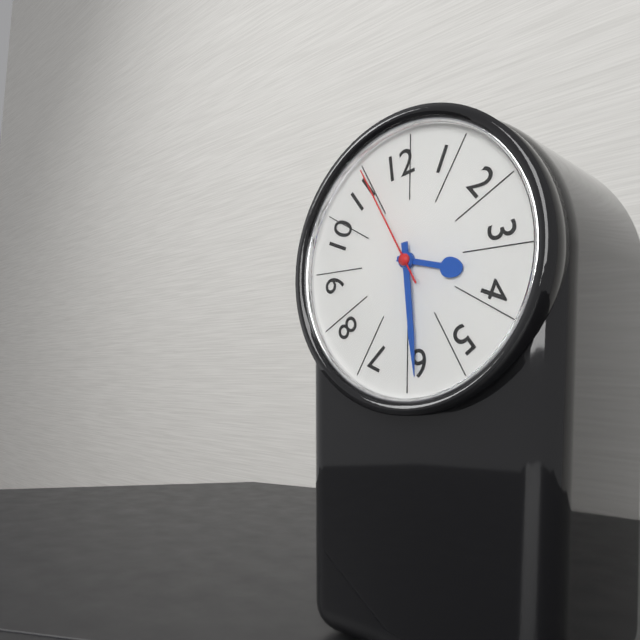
**3:29:55**
